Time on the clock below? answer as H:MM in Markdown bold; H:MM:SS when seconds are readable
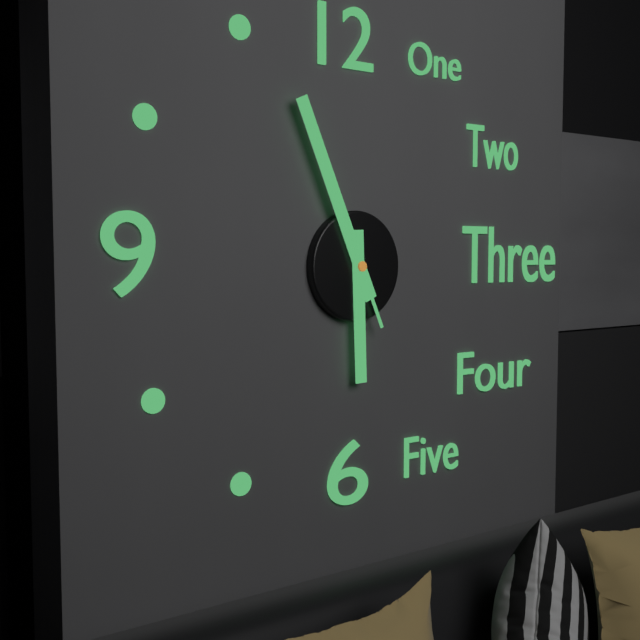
**5:56:56**
